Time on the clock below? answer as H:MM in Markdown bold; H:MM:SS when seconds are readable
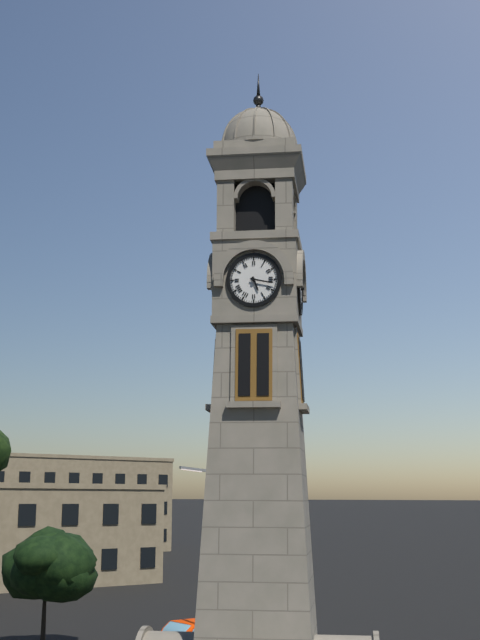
**5:17**
